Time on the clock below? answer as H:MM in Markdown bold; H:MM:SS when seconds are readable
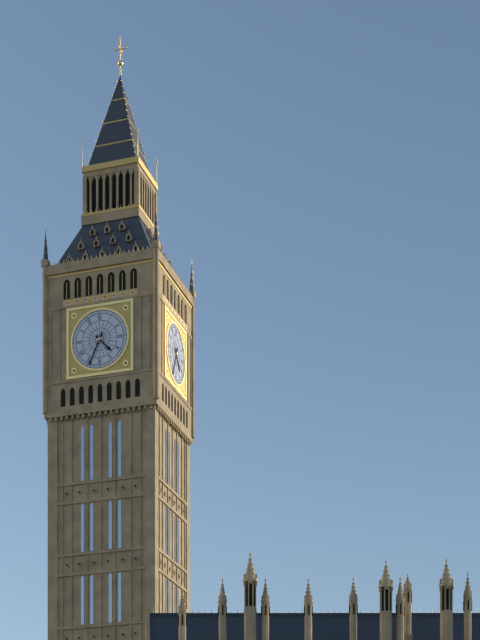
**4:34**
